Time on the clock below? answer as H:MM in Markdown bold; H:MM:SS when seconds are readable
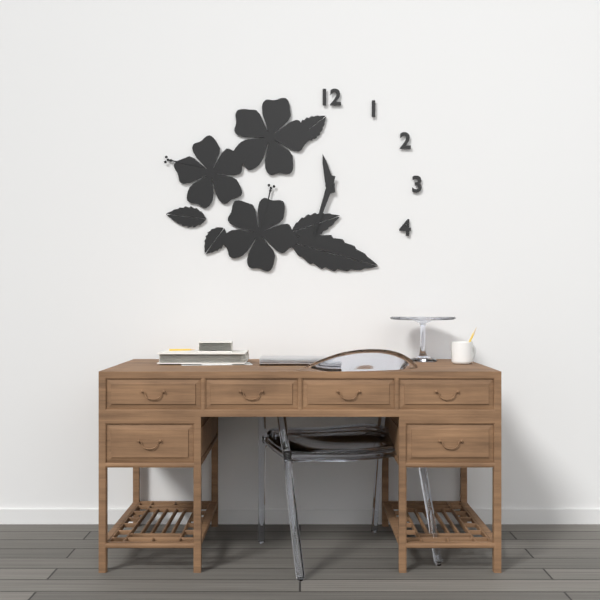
**11:33**
